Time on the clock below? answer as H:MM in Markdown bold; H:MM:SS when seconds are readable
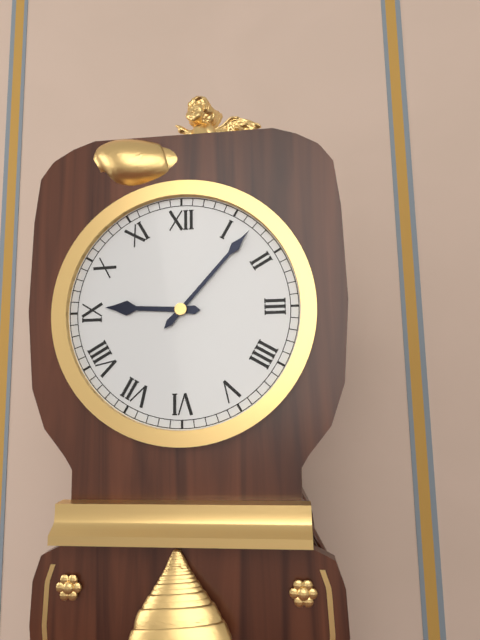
**9:07**
